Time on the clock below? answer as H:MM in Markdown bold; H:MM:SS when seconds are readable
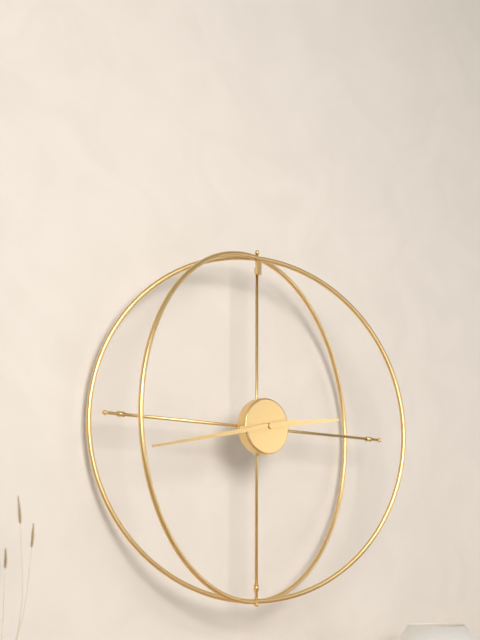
**2:43**
